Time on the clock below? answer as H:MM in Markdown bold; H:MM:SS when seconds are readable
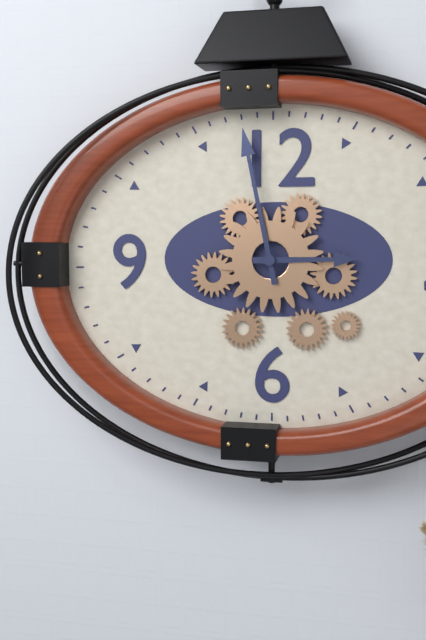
**2:58**
